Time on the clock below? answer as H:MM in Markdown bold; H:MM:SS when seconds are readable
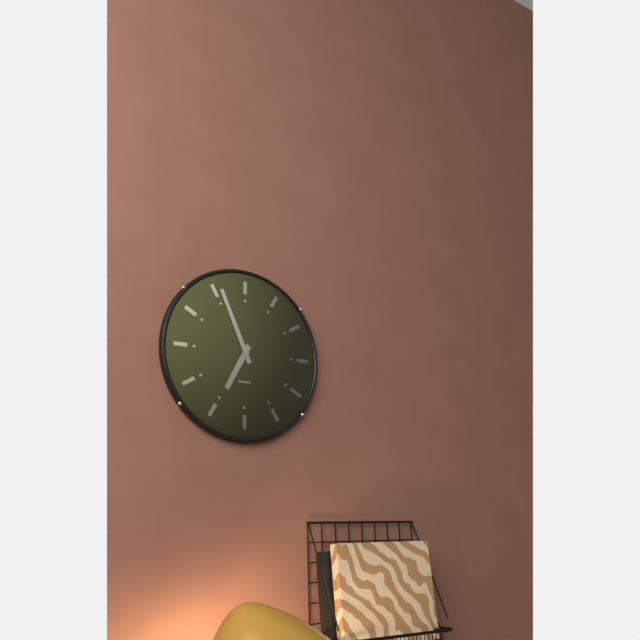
**6:56**
